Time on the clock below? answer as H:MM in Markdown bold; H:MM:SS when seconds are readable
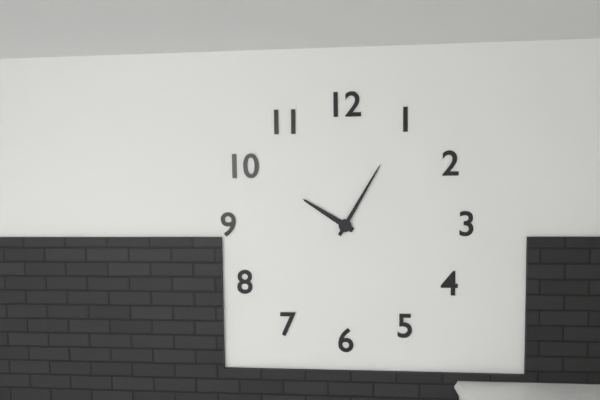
**10:05**
